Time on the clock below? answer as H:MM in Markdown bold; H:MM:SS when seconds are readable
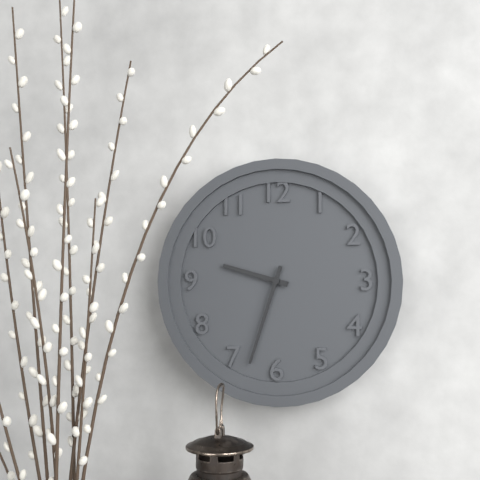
**9:33**
